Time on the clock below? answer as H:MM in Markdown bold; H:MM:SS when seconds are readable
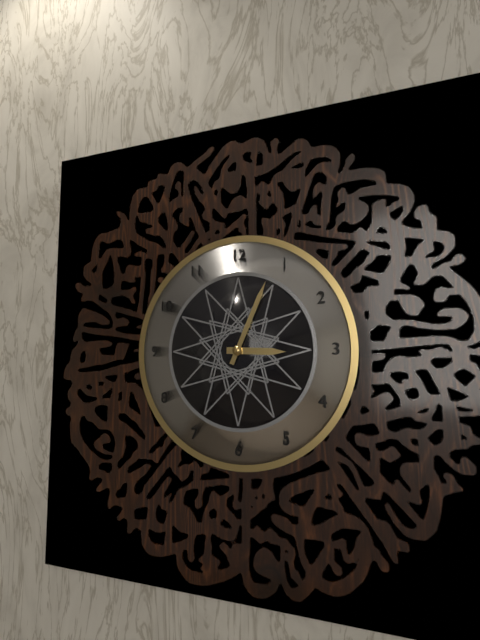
**3:04**
